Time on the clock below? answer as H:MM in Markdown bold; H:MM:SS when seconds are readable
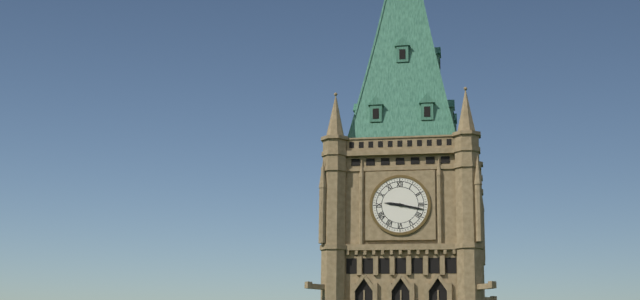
**9:17**
